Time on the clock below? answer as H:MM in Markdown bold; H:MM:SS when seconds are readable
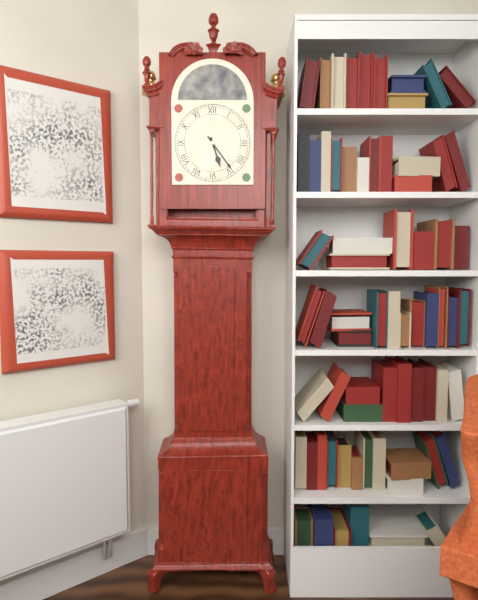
**5:24**
